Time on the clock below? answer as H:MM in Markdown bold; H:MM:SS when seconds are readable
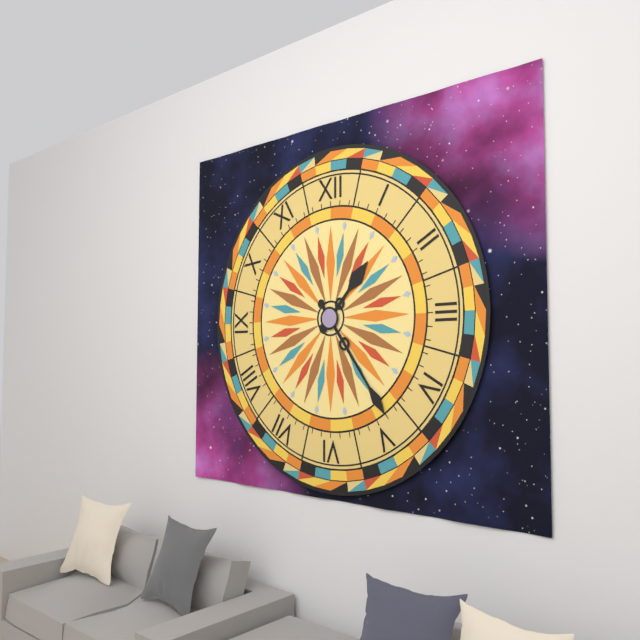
**1:24**
